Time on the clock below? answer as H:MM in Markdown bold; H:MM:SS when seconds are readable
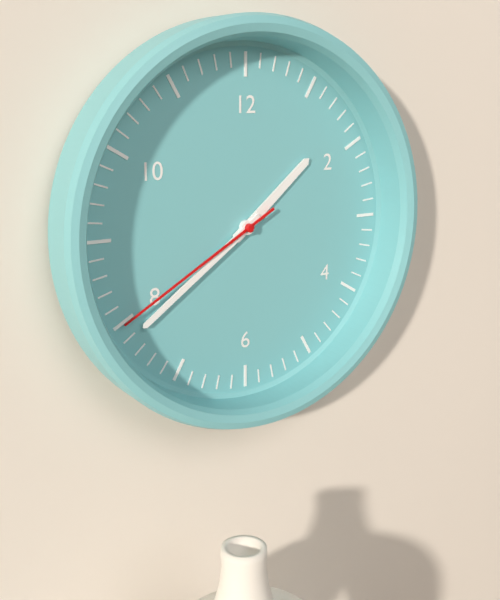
**1:39:40**
